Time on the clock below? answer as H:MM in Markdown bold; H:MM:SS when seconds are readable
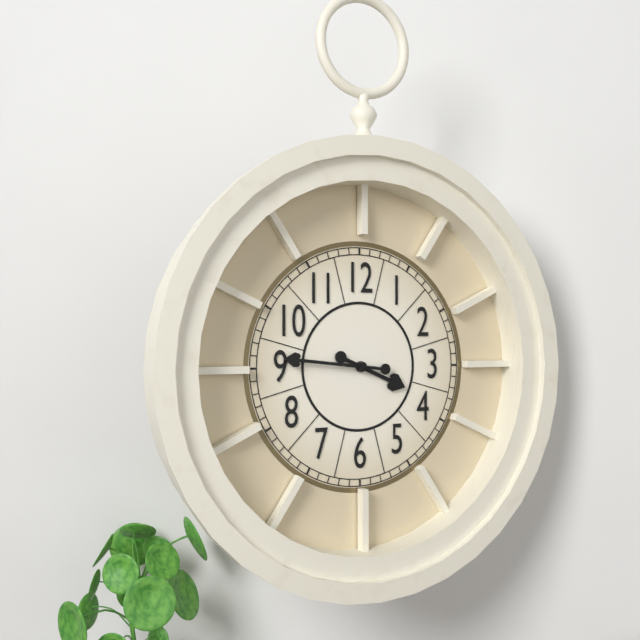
**3:46**
